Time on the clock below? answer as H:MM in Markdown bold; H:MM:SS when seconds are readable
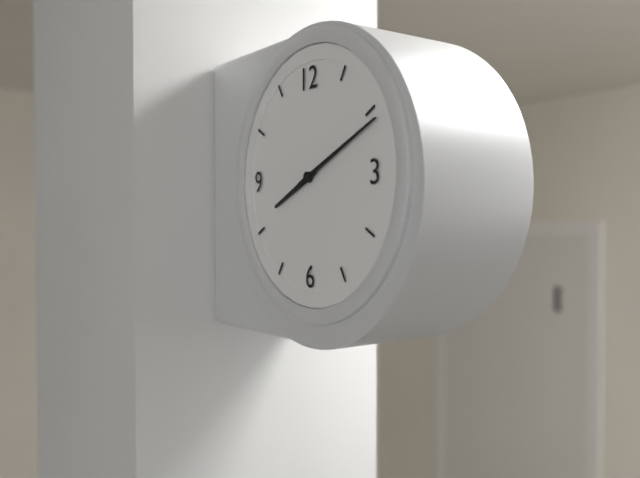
**8:11**
